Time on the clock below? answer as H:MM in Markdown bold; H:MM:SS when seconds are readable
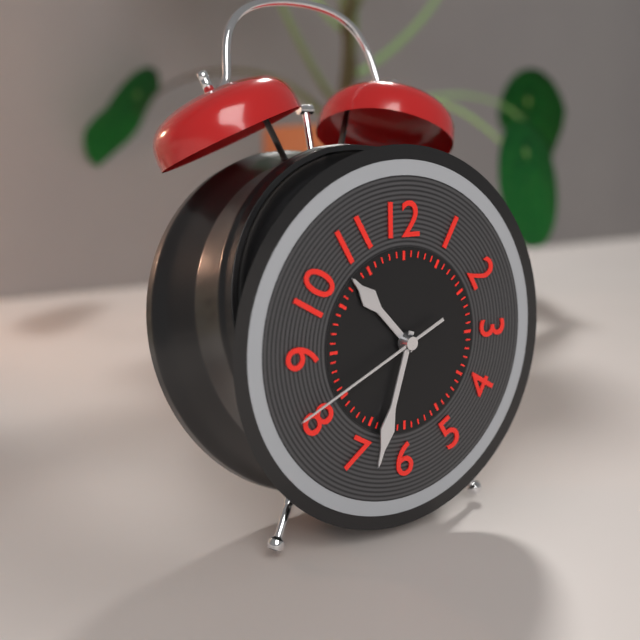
**10:33:41**
